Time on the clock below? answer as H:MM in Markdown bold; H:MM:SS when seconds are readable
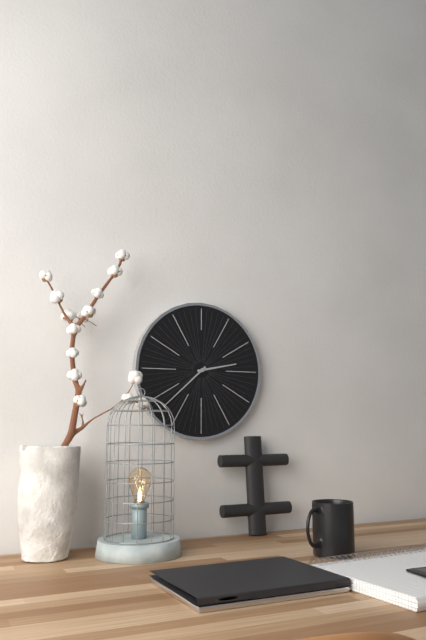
**2:38**
